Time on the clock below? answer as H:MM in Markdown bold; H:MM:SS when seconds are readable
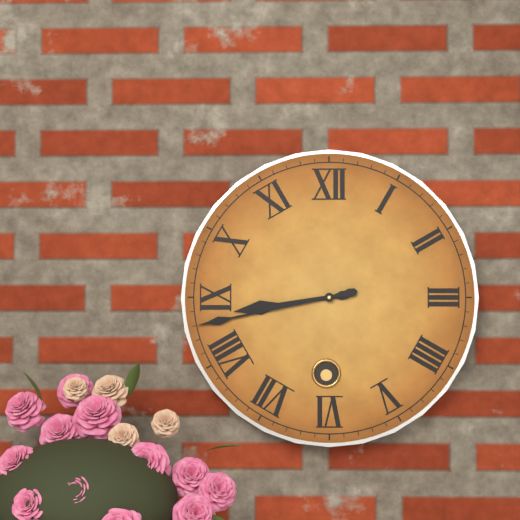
**8:43**
